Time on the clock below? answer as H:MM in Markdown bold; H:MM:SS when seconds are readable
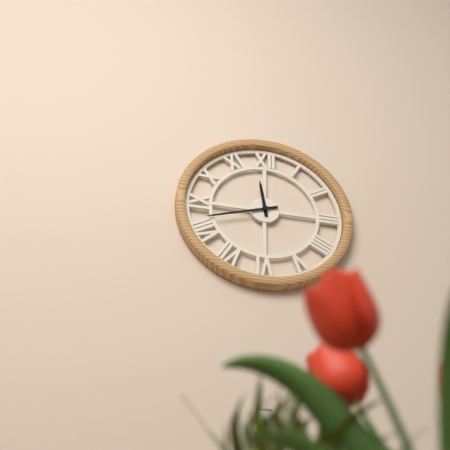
**11:42**
